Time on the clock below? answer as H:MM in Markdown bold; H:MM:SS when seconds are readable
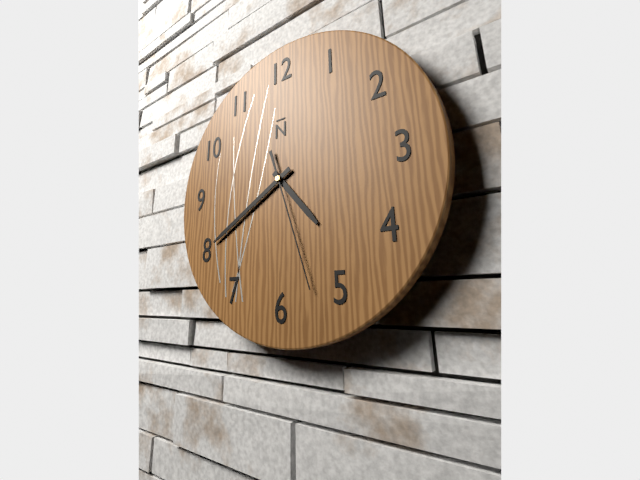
**4:40:27**
